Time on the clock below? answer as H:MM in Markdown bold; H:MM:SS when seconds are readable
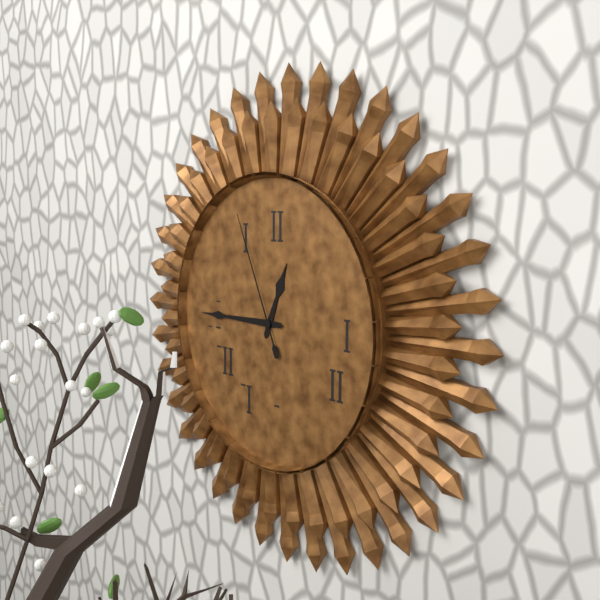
**12:45:56**
